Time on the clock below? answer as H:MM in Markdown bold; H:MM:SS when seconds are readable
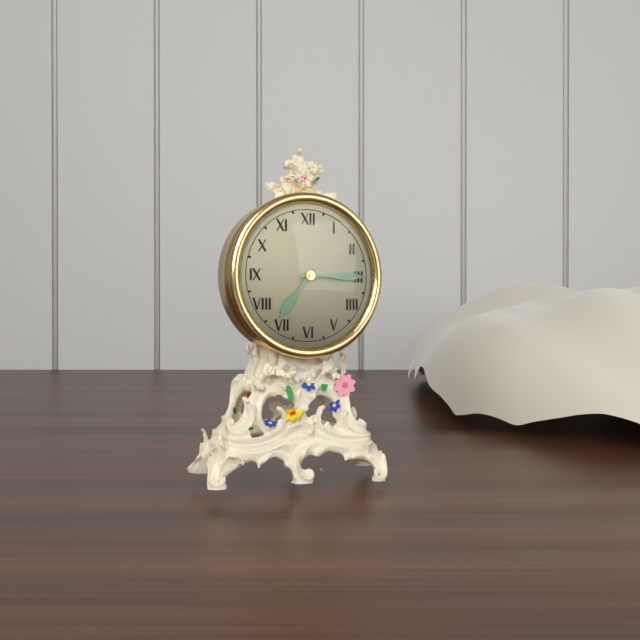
**7:15**
